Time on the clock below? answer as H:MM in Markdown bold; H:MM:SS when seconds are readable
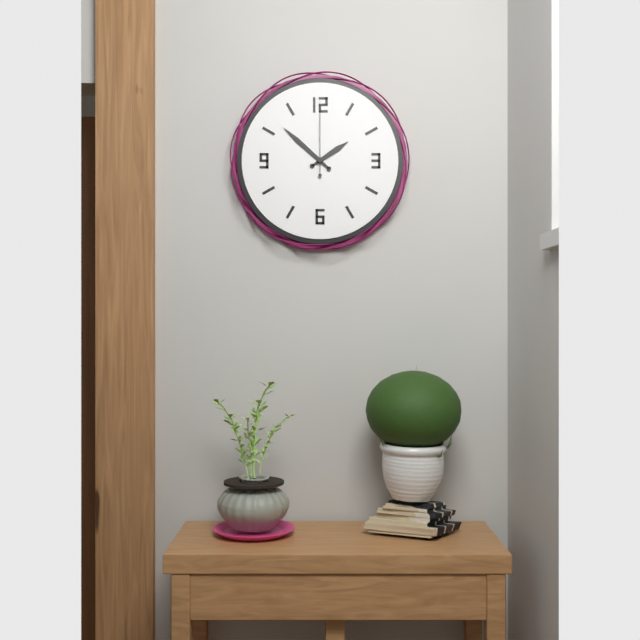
**1:52:00**
